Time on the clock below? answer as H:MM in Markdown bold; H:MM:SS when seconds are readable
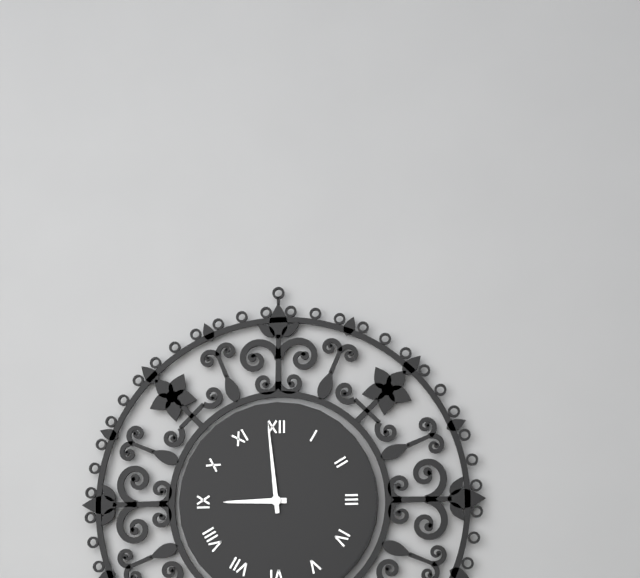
**8:59**
